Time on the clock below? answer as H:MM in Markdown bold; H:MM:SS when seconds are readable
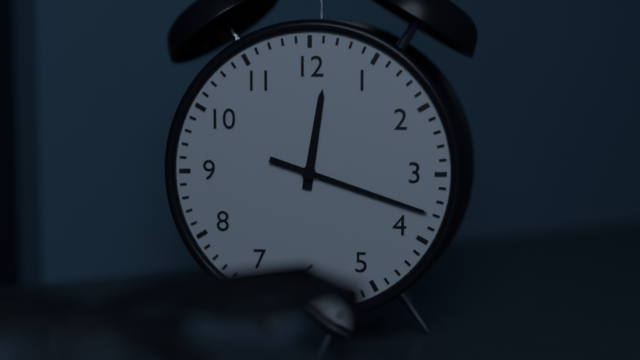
**12:18**
